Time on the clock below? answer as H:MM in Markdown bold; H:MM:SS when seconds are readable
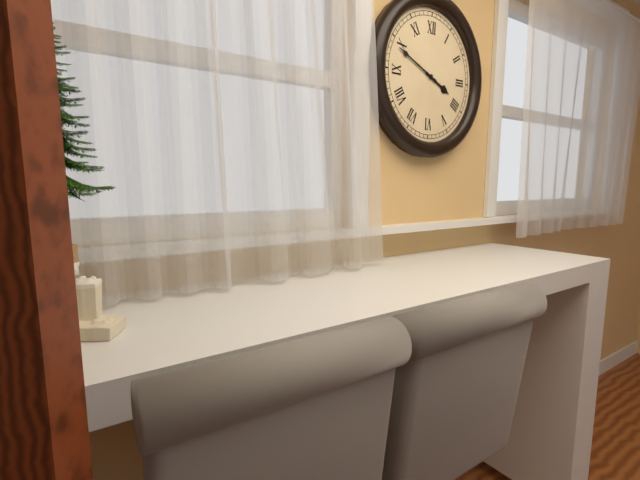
**3:49**
